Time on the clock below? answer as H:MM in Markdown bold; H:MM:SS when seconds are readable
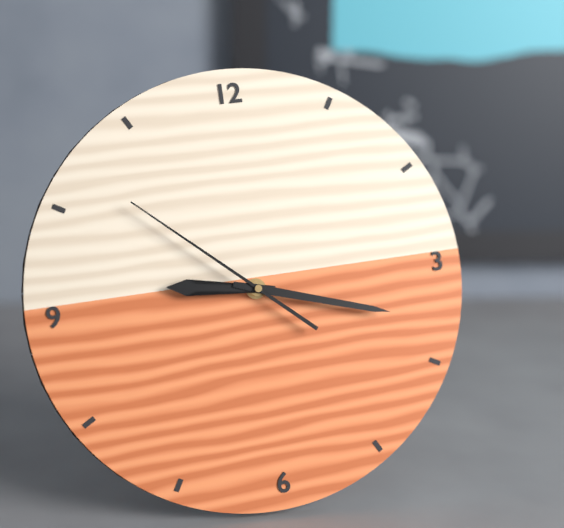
**9:18:52**
